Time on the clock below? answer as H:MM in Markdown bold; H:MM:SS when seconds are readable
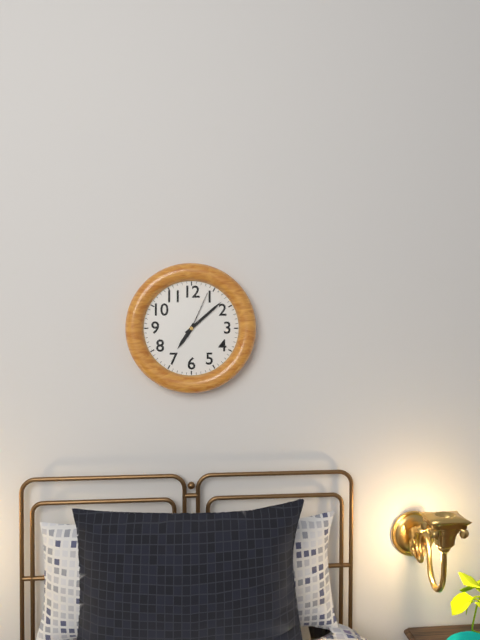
**7:08**
